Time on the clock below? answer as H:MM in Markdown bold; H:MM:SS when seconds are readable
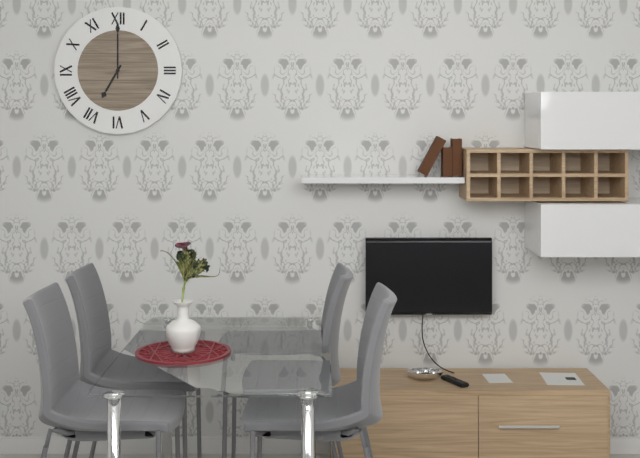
**7:00**
